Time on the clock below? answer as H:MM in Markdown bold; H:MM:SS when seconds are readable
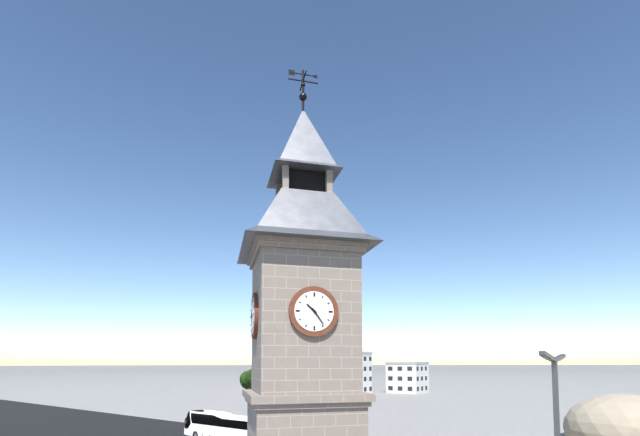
**10:24**
